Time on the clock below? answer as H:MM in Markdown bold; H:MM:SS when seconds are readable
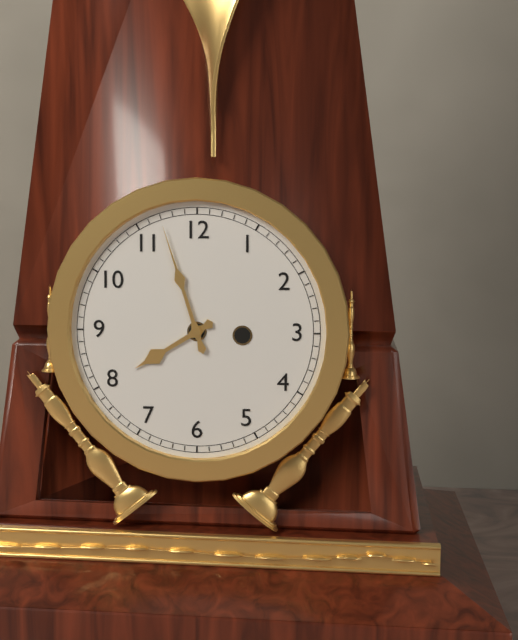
**7:57**
